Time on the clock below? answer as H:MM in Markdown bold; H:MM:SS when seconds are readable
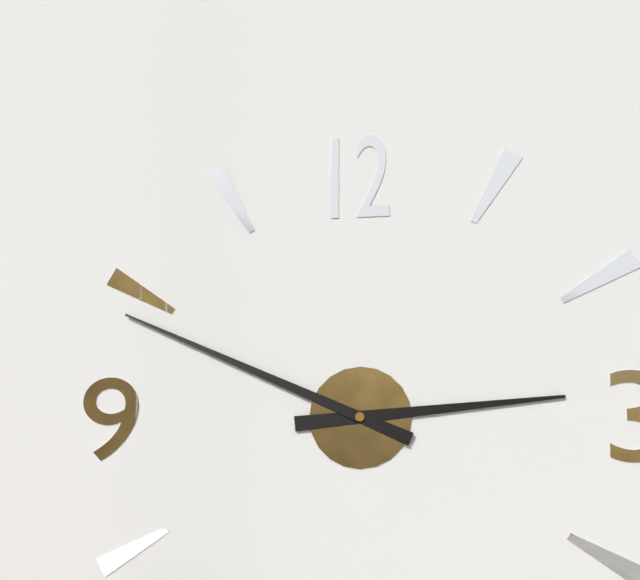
**2:49**
